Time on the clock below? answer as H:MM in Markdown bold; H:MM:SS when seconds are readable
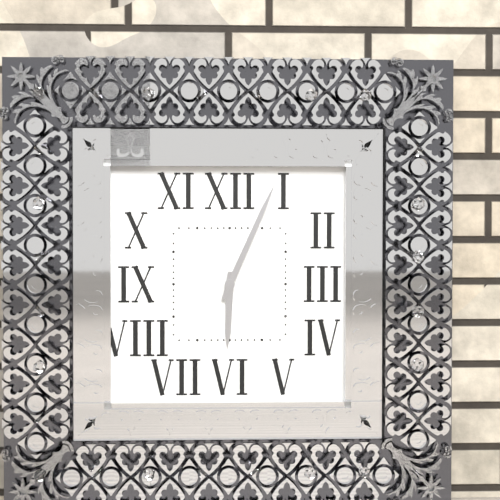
**6:04**
